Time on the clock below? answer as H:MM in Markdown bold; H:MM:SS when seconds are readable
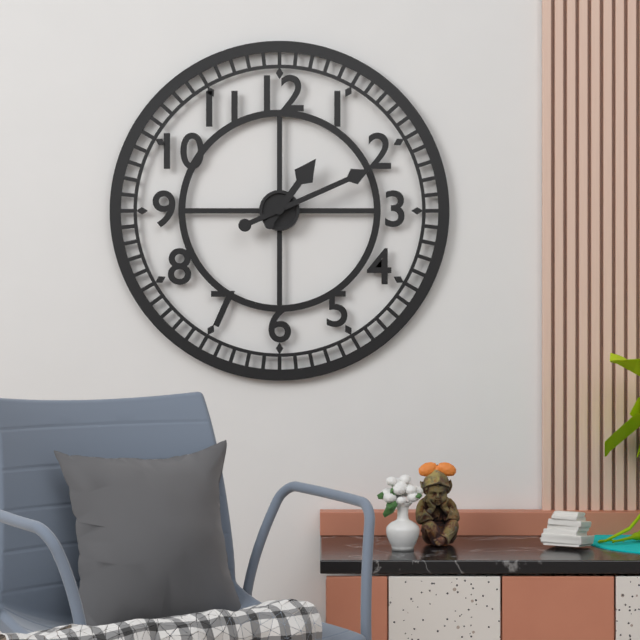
**1:11**
